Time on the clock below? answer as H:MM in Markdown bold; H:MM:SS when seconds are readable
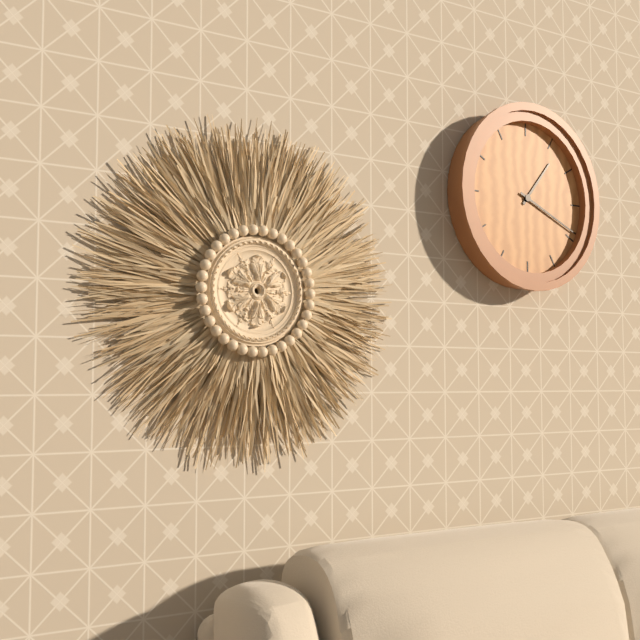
**1:19**
